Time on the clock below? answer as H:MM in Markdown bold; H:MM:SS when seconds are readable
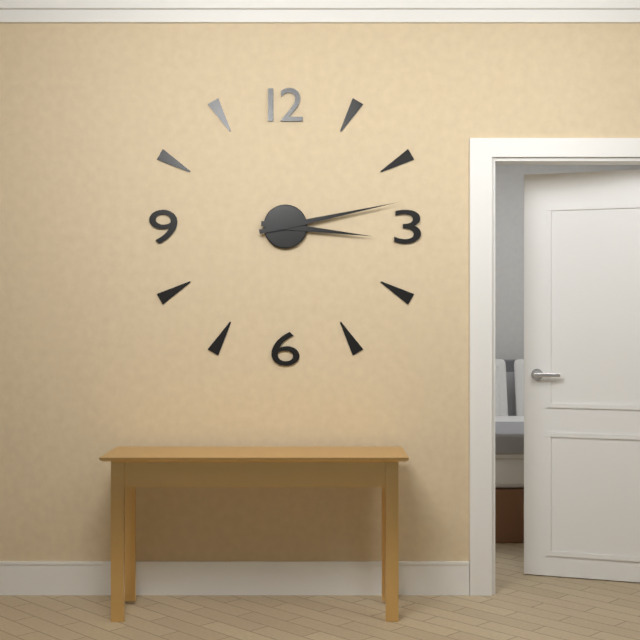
**3:13**
